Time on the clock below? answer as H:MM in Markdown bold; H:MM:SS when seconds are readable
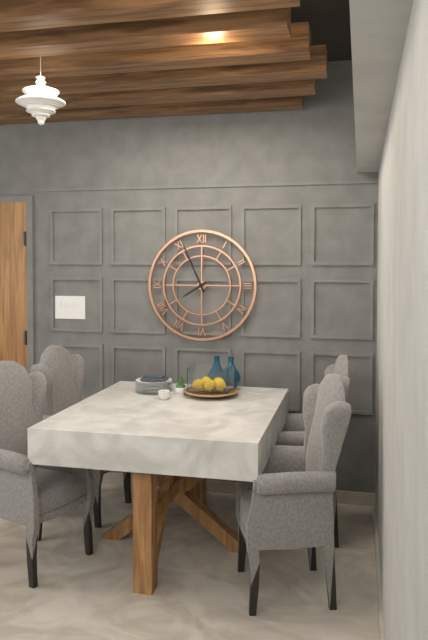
**7:56**
